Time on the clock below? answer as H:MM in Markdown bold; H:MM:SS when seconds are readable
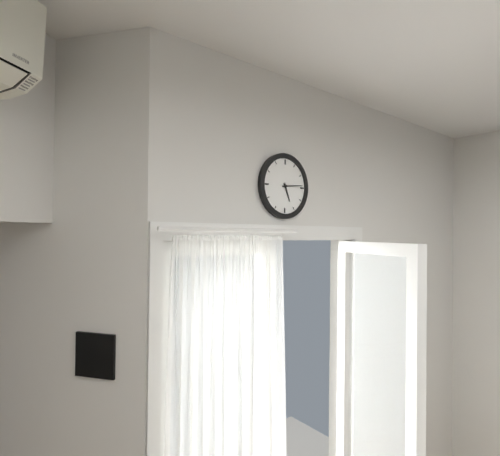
**5:14**
